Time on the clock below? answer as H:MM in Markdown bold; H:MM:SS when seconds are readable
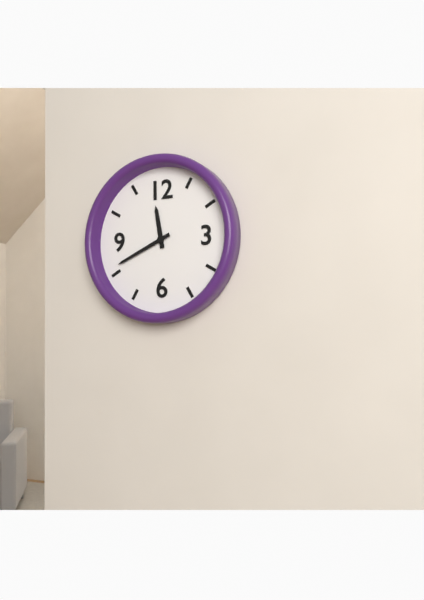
**11:41**
